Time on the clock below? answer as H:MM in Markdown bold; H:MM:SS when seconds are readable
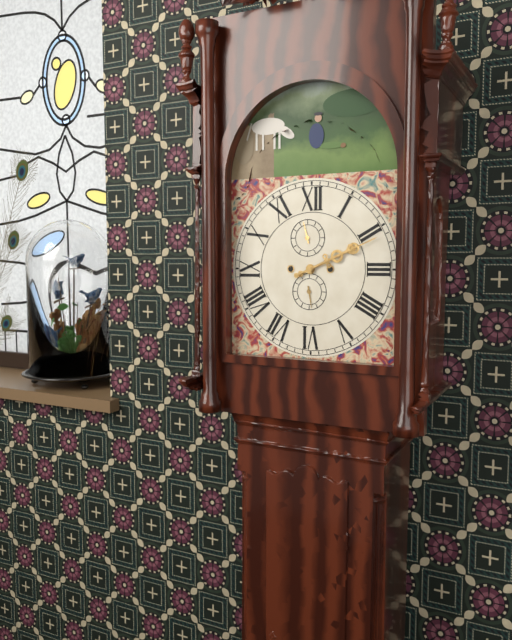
**2:11**
